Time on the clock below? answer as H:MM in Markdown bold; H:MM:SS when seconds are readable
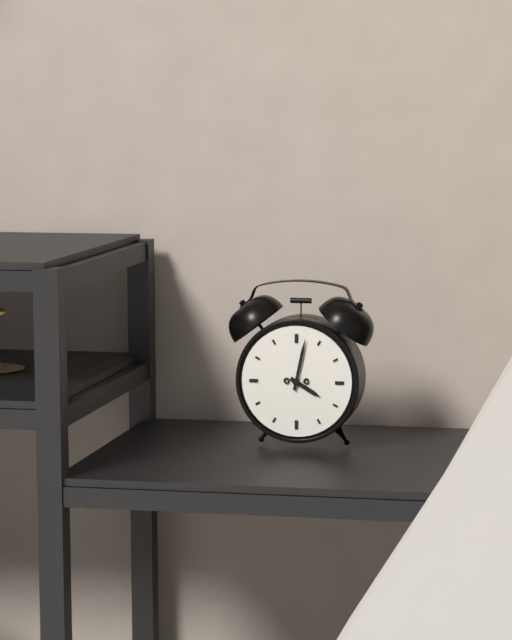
**4:02**
